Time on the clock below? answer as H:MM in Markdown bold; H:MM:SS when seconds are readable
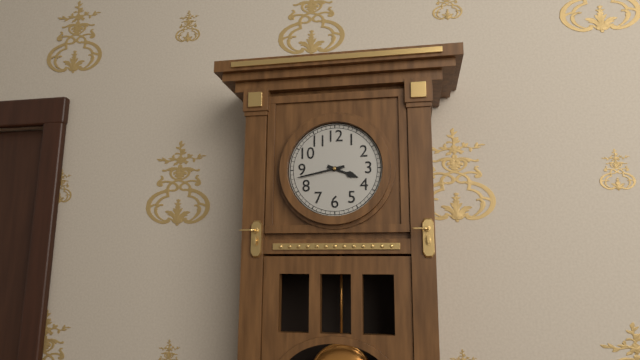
**3:43**
